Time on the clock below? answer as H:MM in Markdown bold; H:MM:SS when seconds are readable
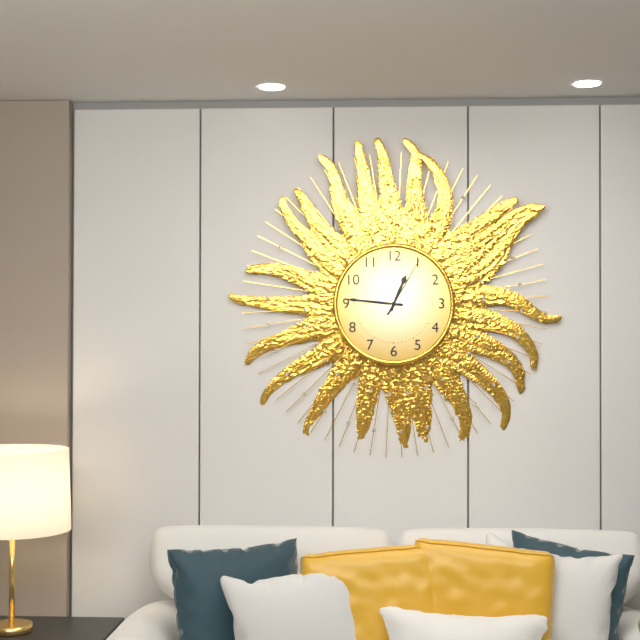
**12:46:05**
